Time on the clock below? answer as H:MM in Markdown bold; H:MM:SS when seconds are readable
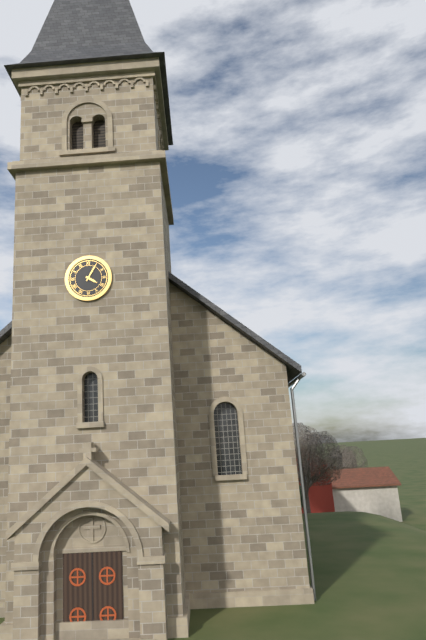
**4:05**
